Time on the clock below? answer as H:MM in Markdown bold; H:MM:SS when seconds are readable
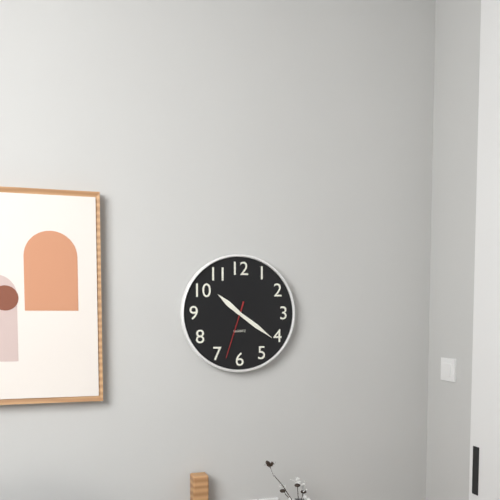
**10:21:33**
